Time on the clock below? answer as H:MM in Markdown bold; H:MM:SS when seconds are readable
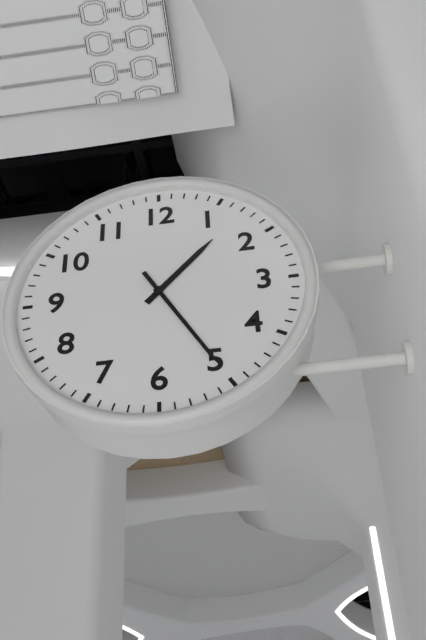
**1:25**
